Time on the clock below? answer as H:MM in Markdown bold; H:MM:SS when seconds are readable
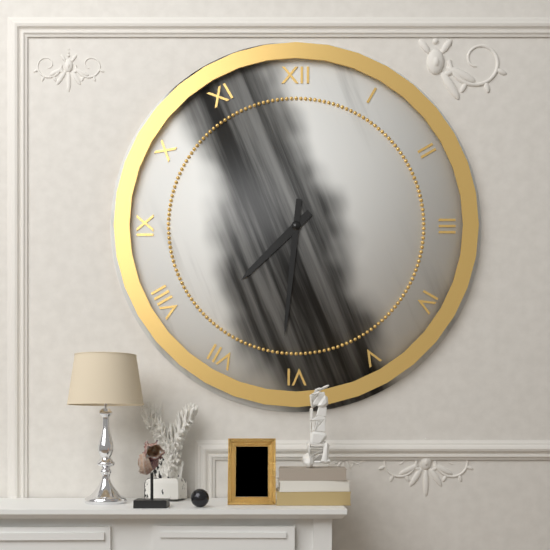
**7:31**
